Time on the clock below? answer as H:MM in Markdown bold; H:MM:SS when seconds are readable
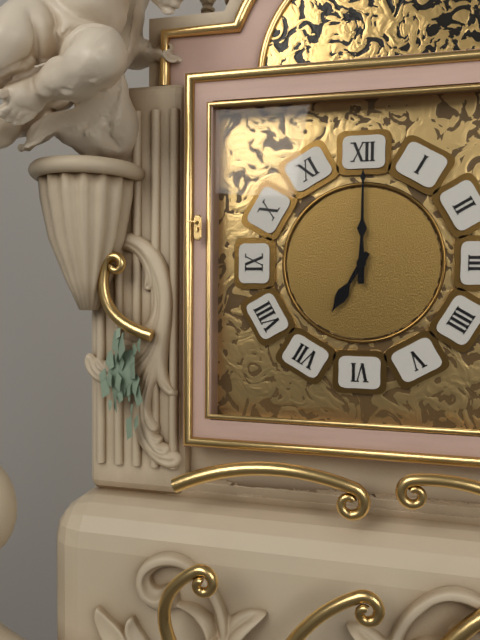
**7:00**
